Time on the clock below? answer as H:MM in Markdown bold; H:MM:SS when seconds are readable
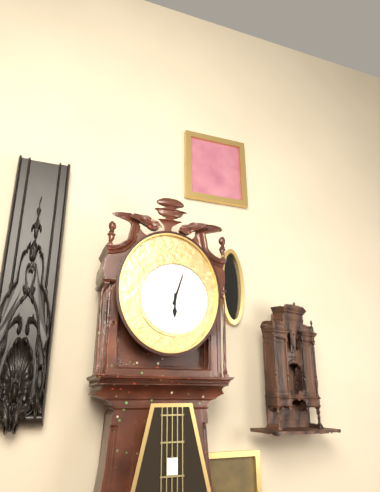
**6:03**
